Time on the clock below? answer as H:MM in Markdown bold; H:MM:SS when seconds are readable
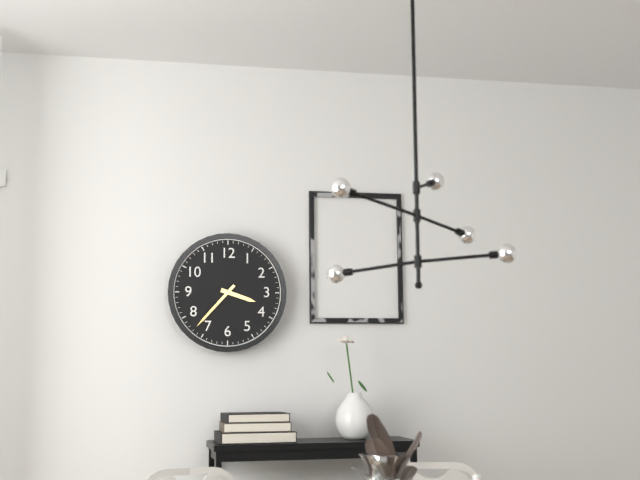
**3:37**
